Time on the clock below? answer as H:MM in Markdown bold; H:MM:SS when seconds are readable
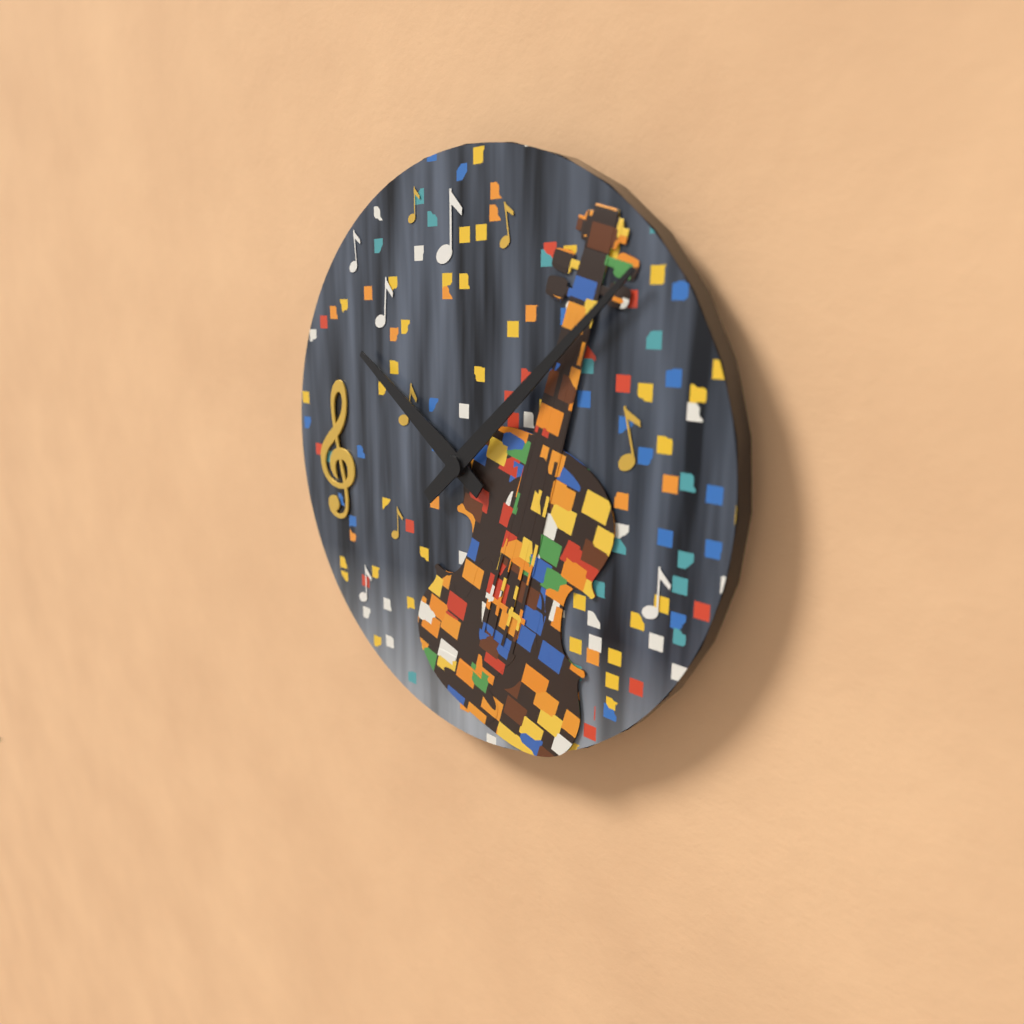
**10:08**
